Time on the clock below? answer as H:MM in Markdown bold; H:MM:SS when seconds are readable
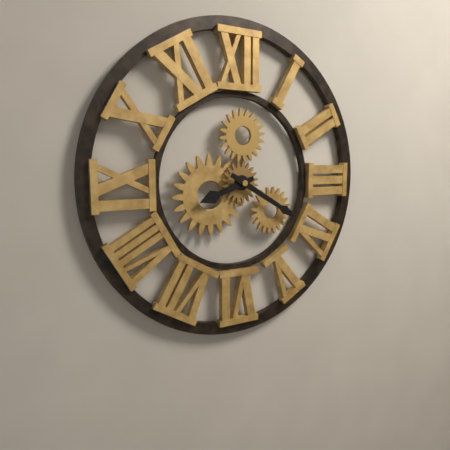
**8:20**
